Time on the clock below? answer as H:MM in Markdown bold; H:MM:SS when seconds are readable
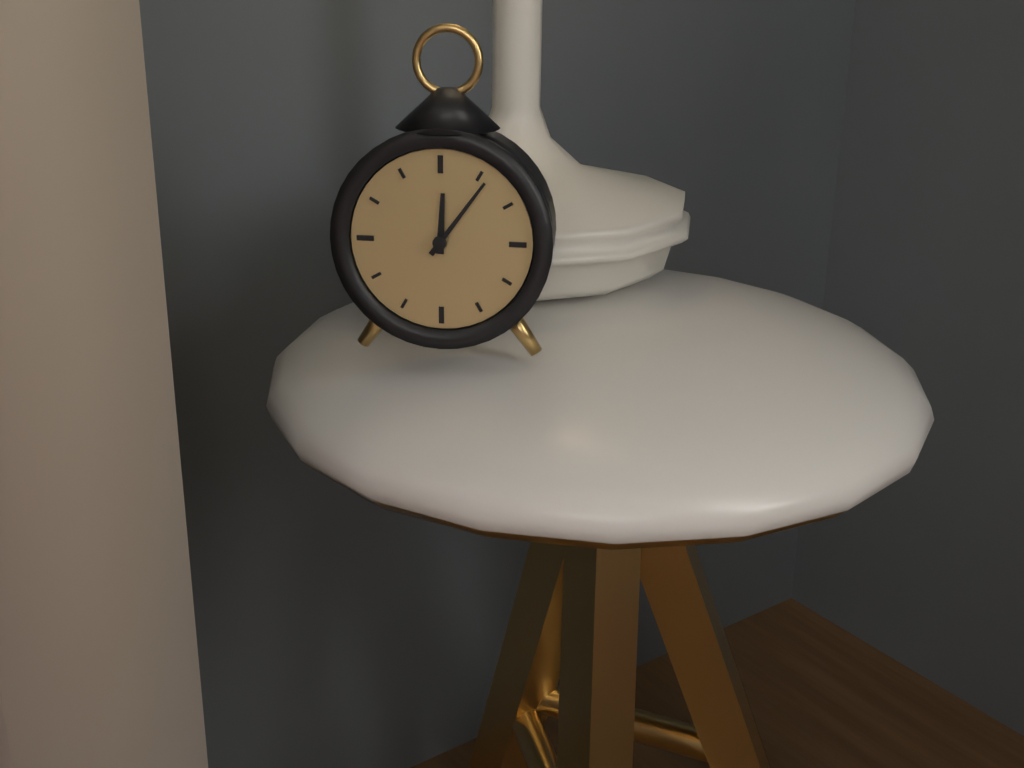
**12:06**
